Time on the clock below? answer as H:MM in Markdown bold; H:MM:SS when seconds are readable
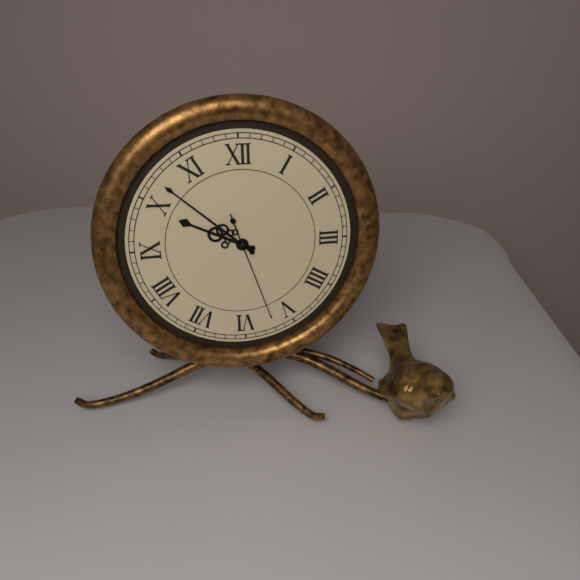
**9:52:27**
